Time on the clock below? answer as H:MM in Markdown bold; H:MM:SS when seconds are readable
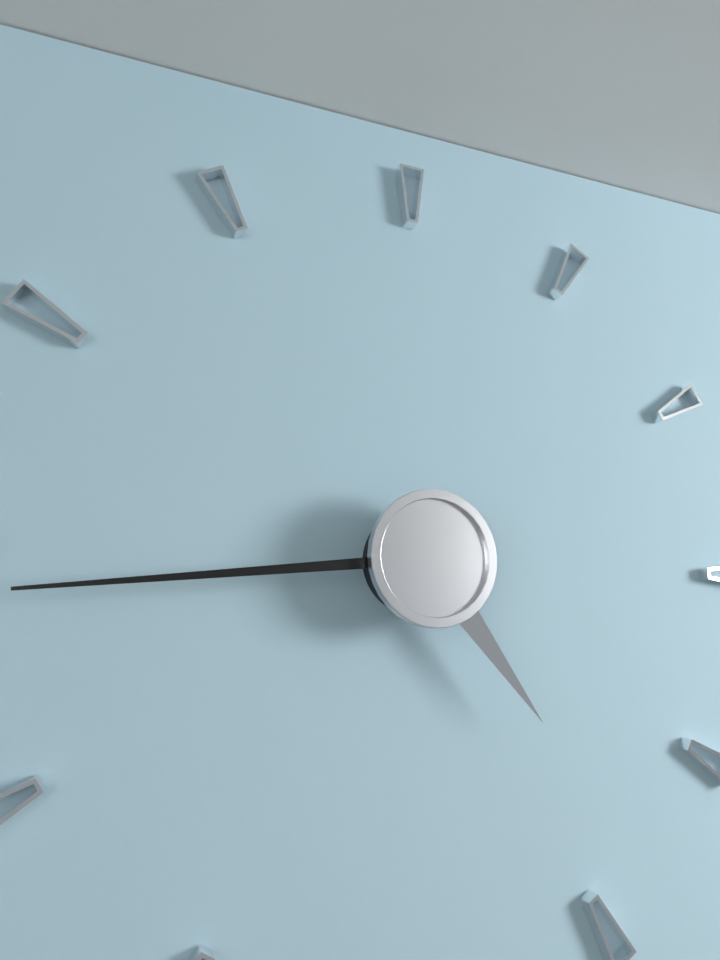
**4:44**
